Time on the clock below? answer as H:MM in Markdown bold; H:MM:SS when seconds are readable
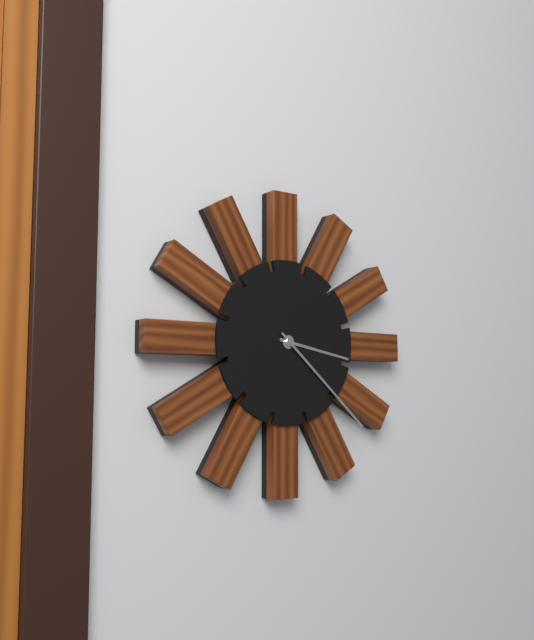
**3:22**
